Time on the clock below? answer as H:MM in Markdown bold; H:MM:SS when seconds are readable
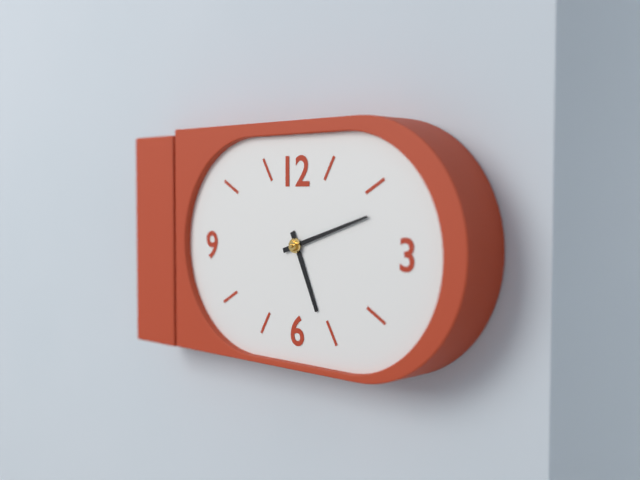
**5:12**
